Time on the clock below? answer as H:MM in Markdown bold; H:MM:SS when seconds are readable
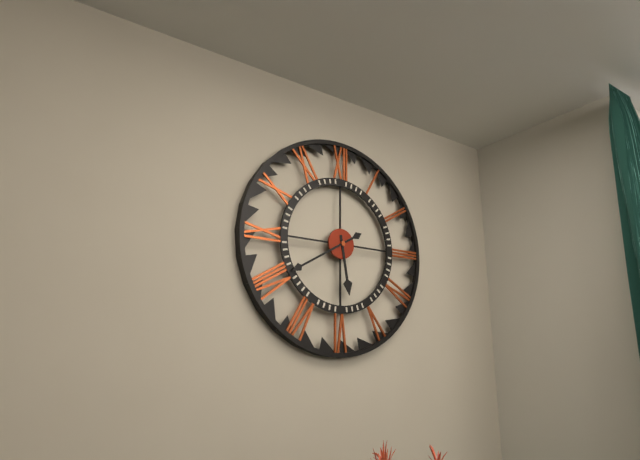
**5:40**
